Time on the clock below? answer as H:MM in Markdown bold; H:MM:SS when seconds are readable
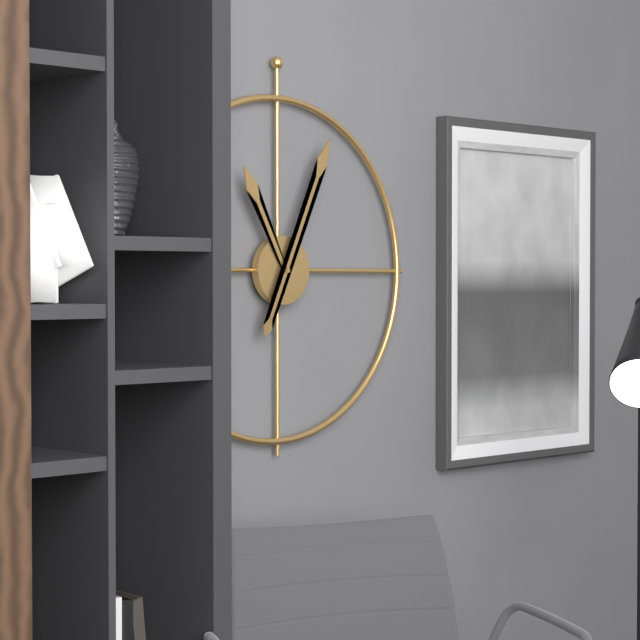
**11:04**
